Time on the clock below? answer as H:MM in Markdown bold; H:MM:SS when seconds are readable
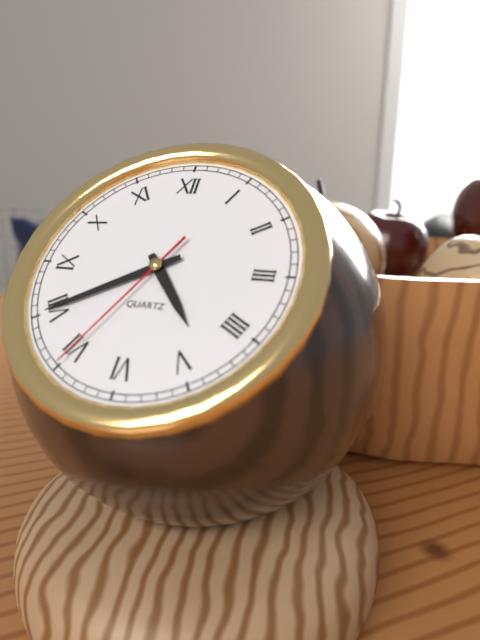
**4:40:35**
